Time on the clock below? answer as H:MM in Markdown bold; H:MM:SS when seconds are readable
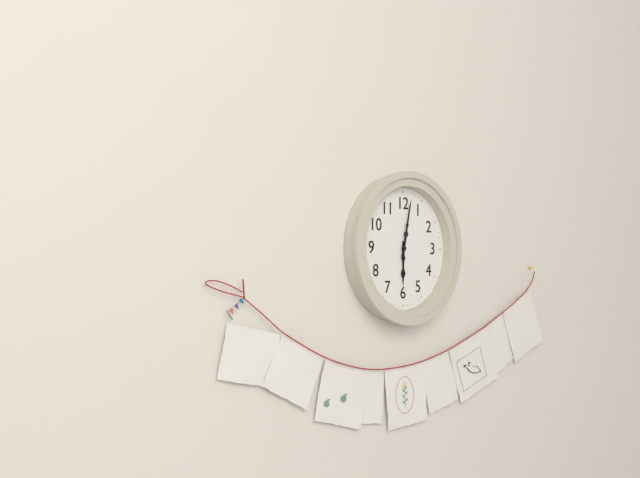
**6:02**
